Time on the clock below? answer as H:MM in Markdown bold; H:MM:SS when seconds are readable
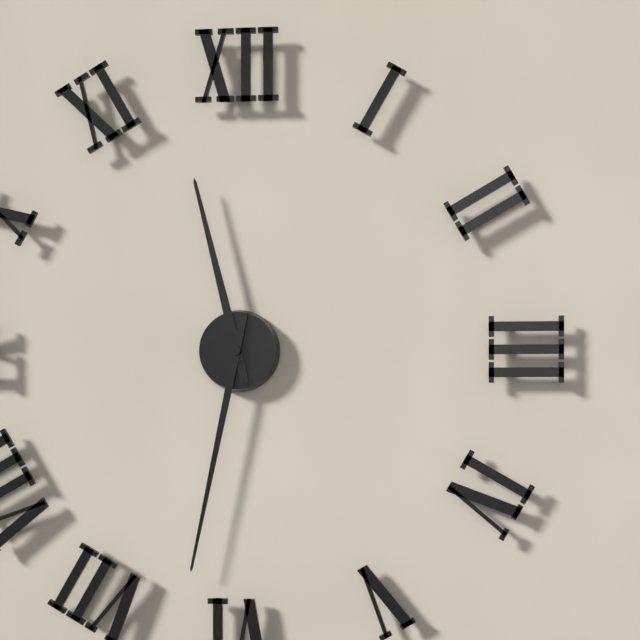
**11:32**
